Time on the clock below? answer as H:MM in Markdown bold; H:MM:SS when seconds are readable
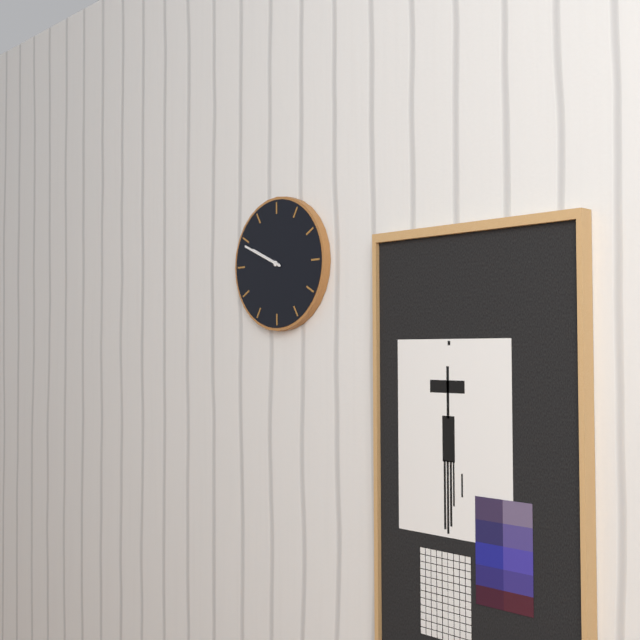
**9:49**
